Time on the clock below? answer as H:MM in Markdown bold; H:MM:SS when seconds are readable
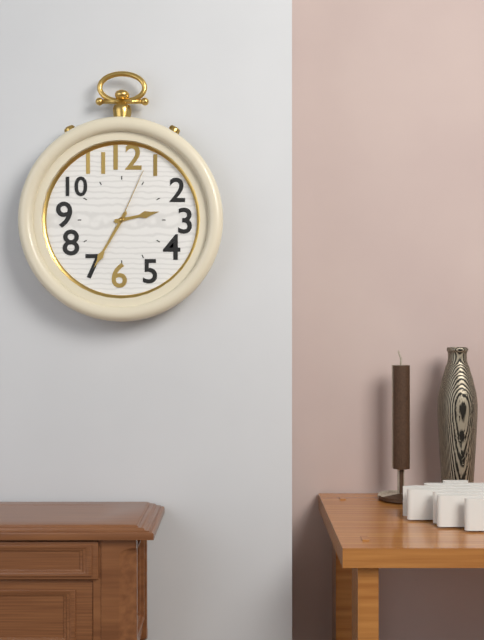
**2:35:04**
